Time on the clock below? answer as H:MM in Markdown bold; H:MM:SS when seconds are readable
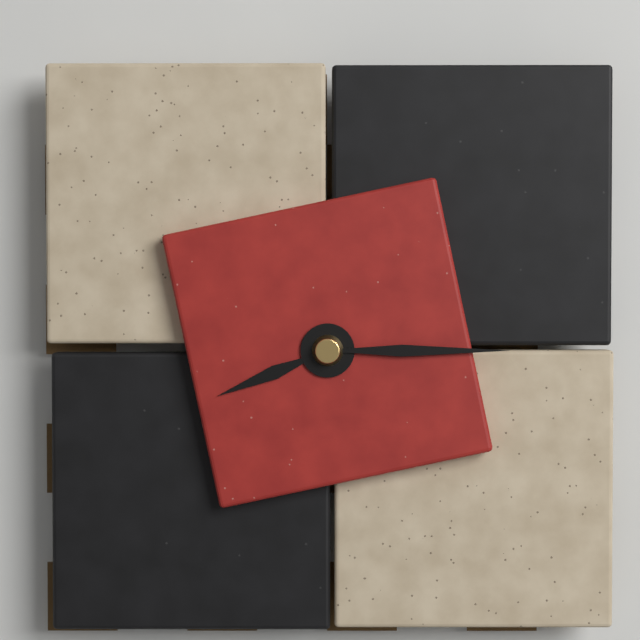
**8:15**
